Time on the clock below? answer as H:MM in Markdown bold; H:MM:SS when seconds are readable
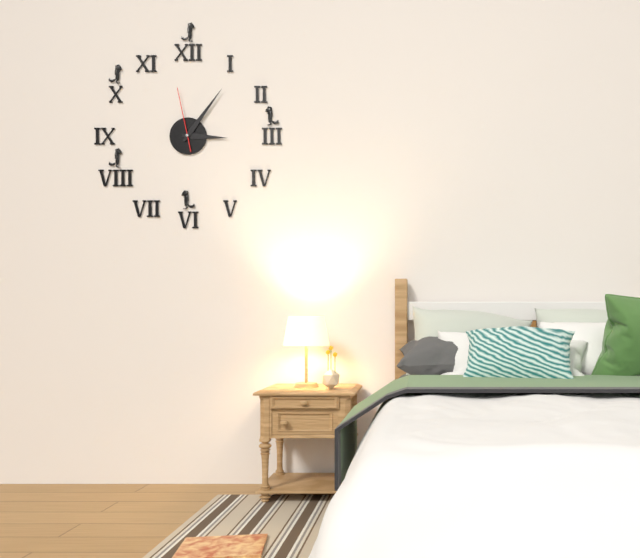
**3:06:58**
